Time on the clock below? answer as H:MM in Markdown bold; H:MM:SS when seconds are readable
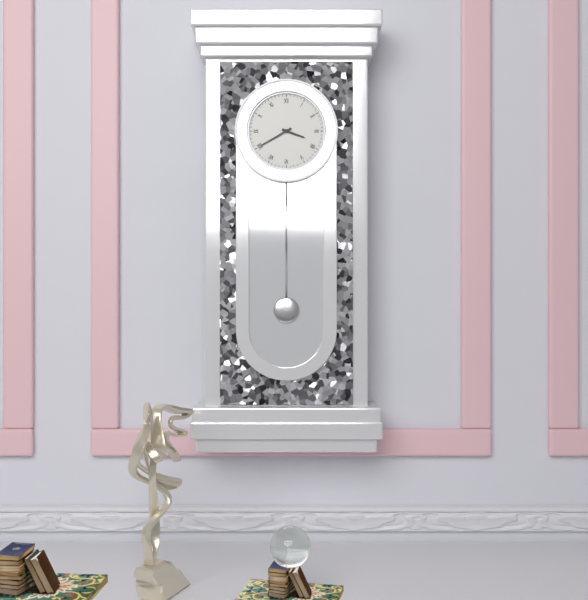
**3:40**
